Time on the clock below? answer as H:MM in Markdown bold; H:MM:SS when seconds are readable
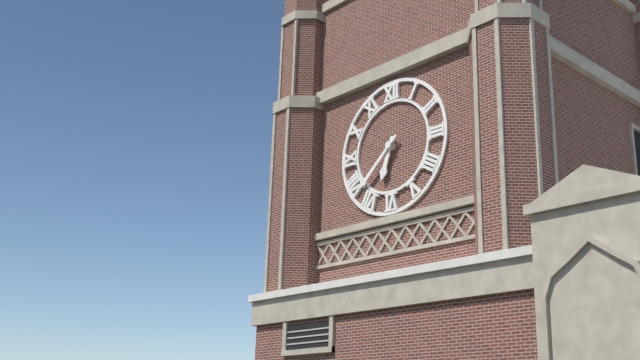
**6:38**
